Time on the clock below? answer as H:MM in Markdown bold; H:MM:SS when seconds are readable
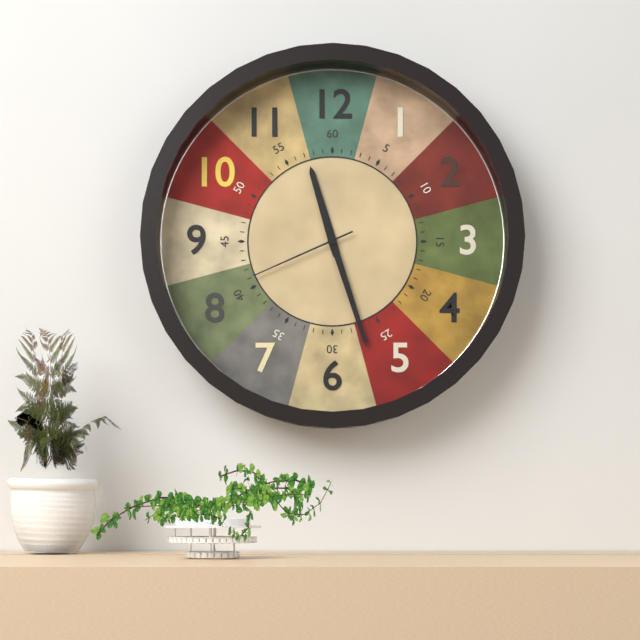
**11:27:41**
